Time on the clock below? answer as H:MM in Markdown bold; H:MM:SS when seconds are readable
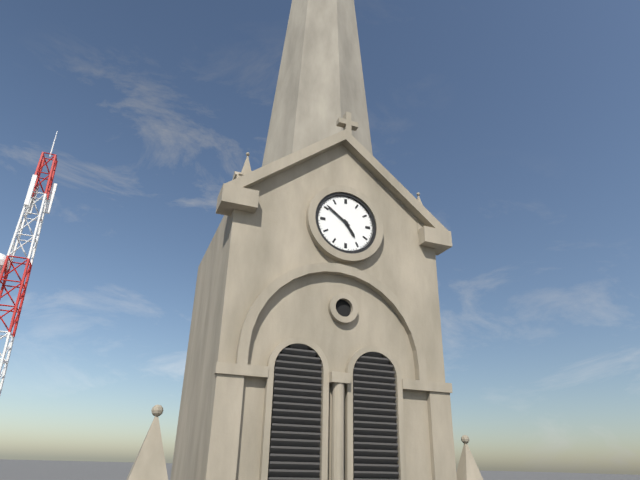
**4:51**
